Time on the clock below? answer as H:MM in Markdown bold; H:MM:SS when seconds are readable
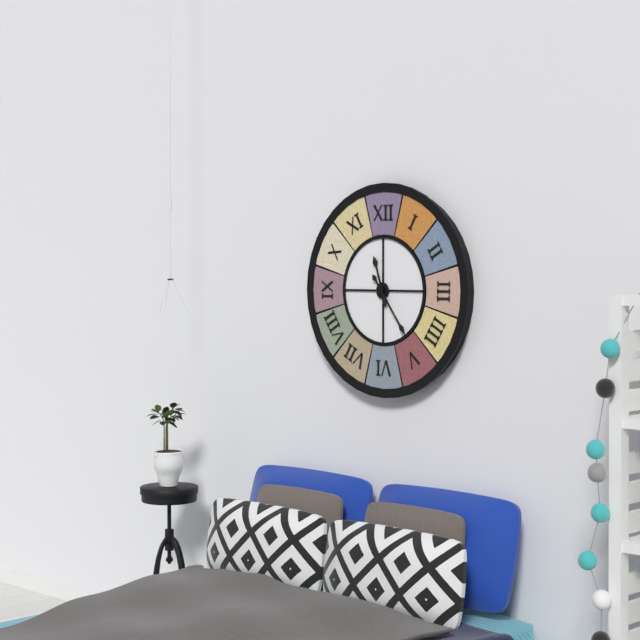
**11:24**
